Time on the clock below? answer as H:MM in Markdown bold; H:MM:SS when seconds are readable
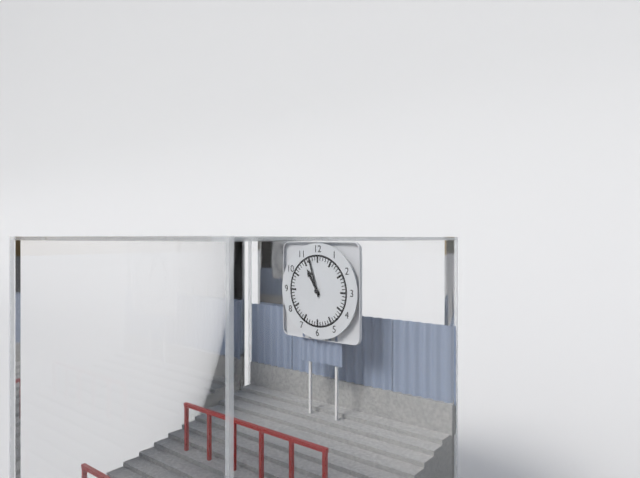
**10:57**
